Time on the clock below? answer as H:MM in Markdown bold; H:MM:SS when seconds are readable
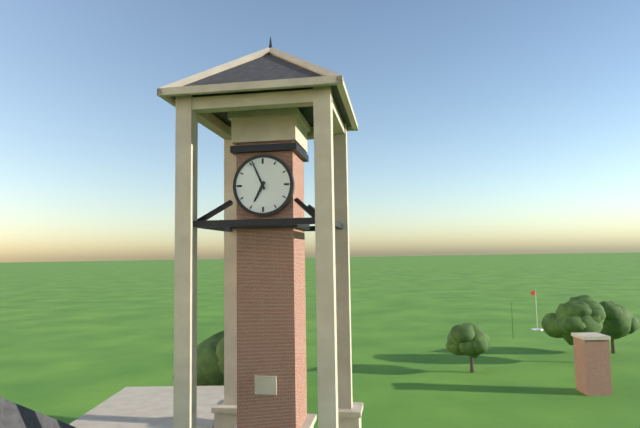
**6:56**
